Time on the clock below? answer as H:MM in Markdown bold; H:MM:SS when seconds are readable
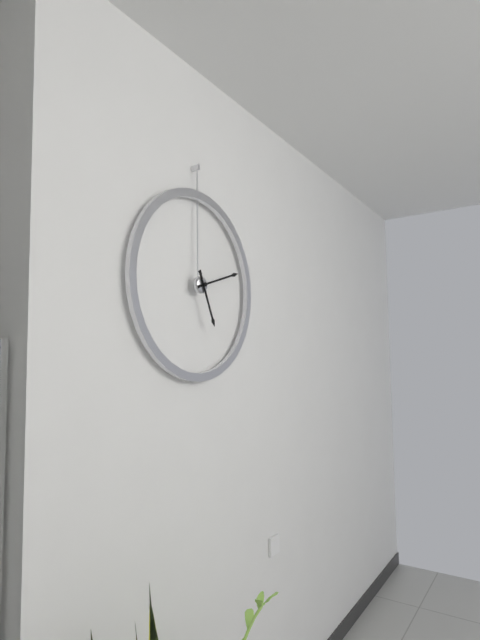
**5:12**
